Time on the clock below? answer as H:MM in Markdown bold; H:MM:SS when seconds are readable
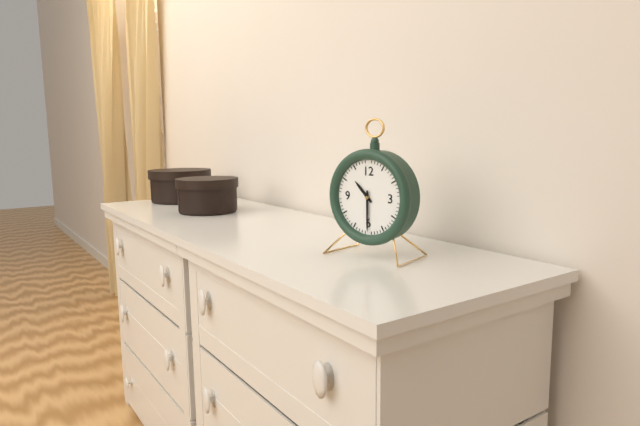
**10:30**
